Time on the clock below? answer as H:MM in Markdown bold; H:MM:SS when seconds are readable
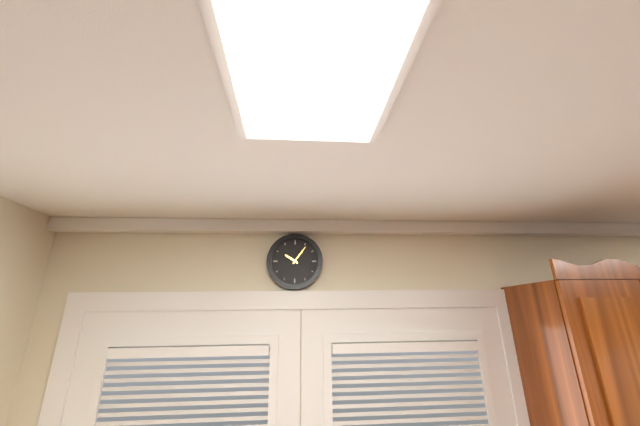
**10:06**
